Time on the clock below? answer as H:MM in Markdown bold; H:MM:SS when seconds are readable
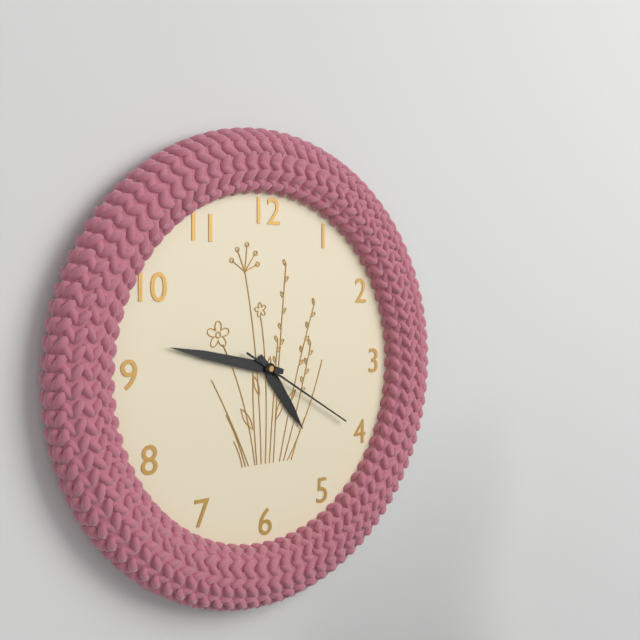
**4:47:20**
